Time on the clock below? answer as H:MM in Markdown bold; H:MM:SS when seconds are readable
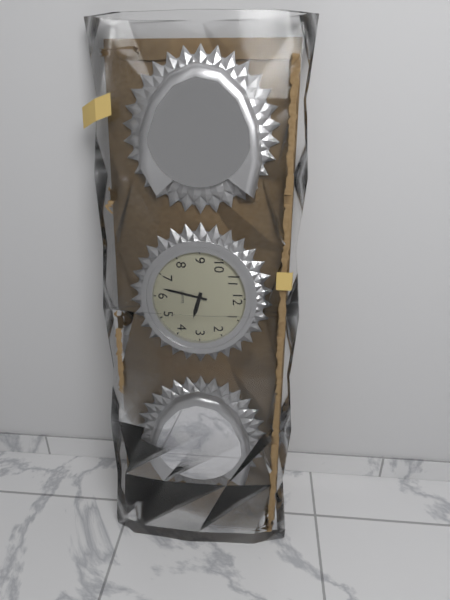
**3:32**
